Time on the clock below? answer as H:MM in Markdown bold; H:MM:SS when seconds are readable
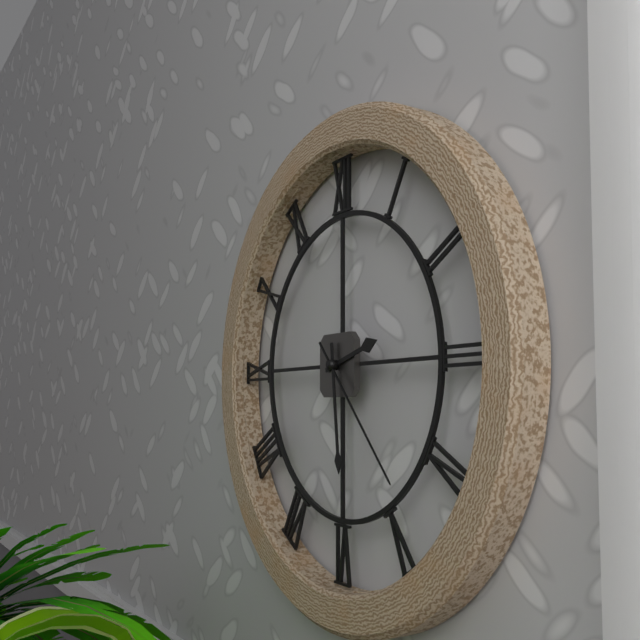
**2:29:23**
